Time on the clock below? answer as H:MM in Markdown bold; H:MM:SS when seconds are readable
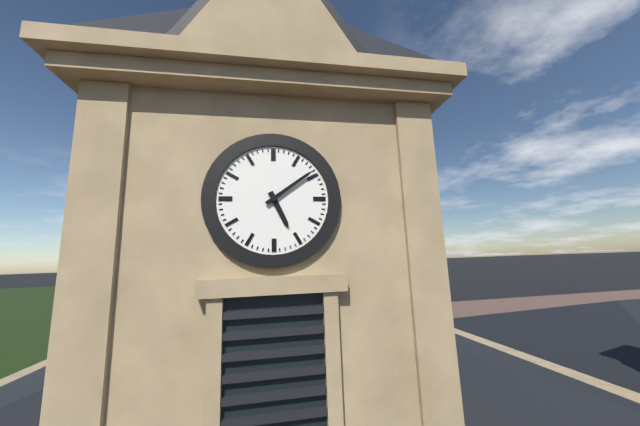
**5:09**
